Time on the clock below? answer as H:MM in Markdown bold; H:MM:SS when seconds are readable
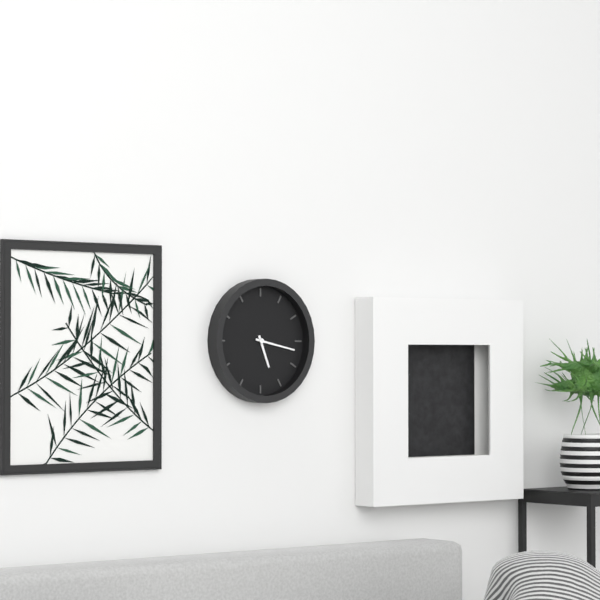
**5:17**
